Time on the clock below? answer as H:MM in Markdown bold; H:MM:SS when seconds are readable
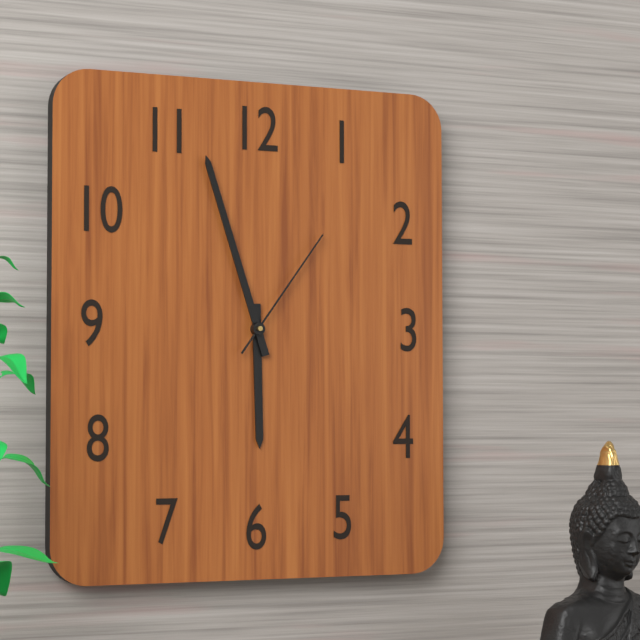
**5:57:06**
